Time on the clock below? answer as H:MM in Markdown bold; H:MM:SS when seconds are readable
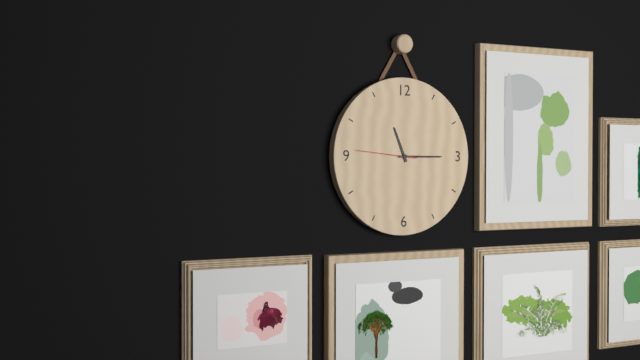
**11:15:46**
